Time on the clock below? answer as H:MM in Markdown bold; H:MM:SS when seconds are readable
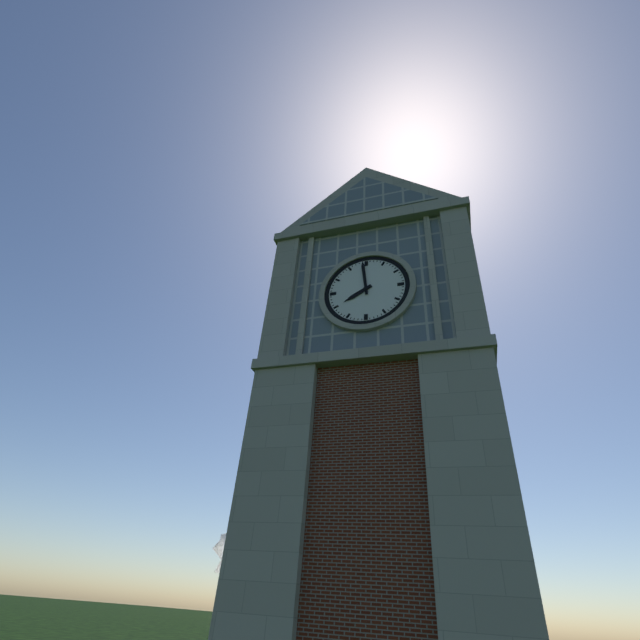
**7:59**
